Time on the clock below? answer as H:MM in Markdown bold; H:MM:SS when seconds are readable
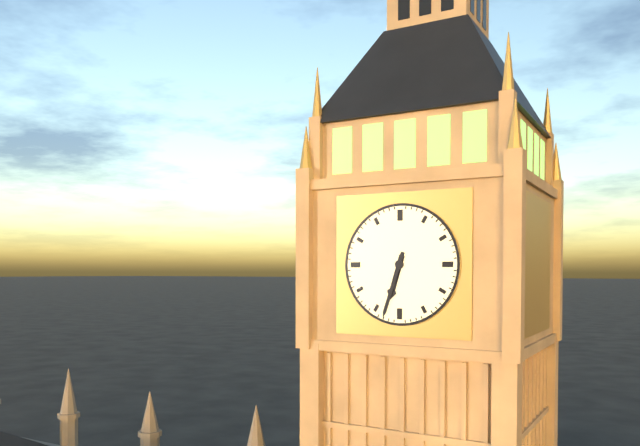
**6:33**
